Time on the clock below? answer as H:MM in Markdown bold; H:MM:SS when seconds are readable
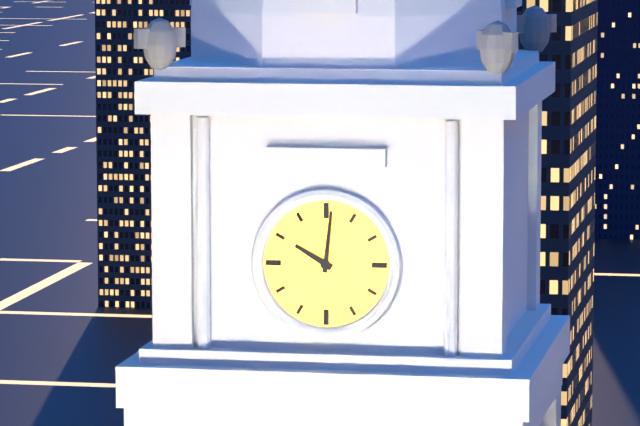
**10:01**
